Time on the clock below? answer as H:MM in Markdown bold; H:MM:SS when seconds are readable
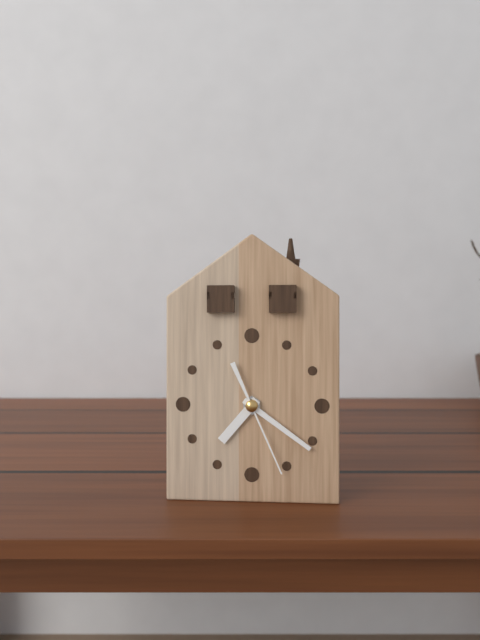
**7:21:26**
